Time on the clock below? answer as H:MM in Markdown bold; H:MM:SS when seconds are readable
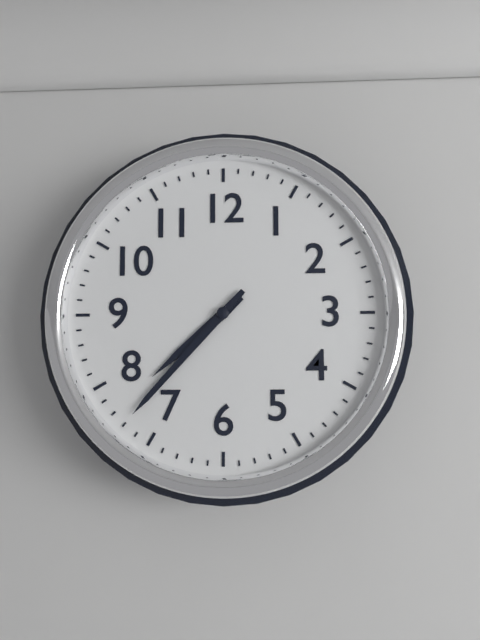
**7:37**
